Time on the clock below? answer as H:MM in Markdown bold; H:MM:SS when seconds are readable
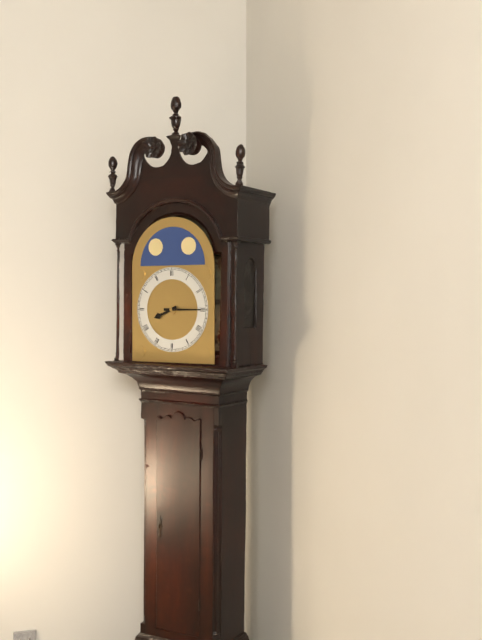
**8:15**
